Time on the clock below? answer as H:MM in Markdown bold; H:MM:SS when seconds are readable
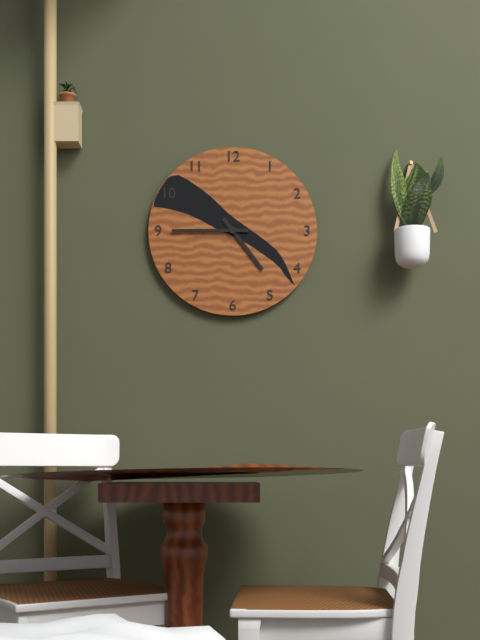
**4:45**
